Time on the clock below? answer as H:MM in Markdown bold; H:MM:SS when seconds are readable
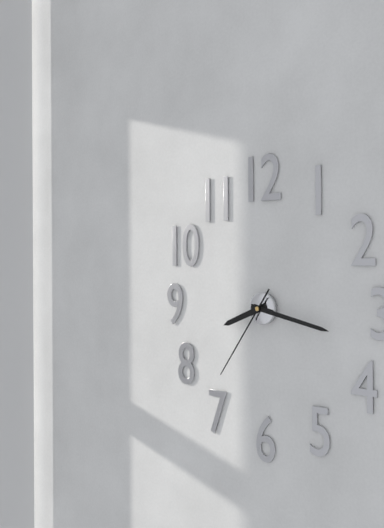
**8:17:36**
